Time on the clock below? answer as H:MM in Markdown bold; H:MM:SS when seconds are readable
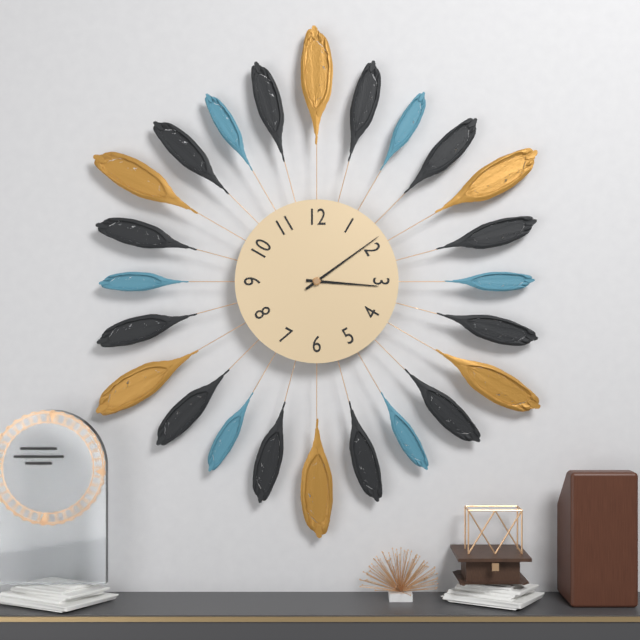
**3:09**
